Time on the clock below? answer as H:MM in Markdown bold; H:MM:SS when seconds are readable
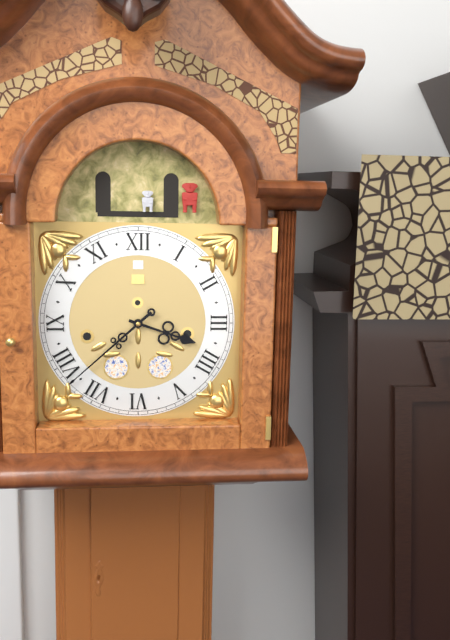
**3:38**
